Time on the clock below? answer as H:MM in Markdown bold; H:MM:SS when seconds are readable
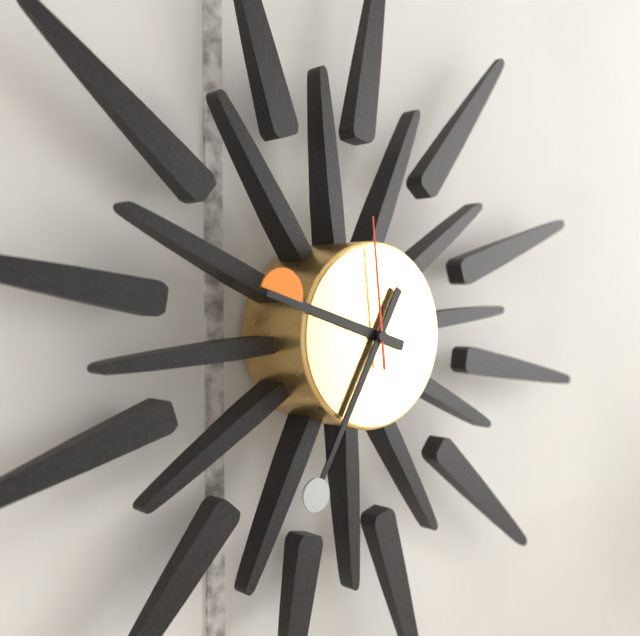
**9:35:59**
